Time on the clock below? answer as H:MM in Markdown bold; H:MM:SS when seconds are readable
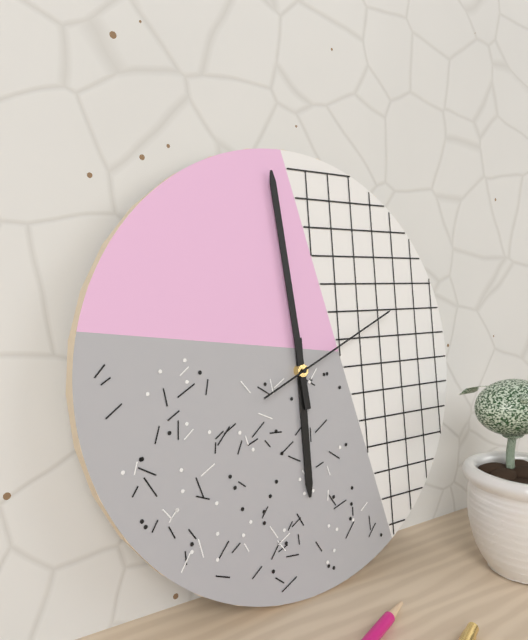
**5:59:11**
